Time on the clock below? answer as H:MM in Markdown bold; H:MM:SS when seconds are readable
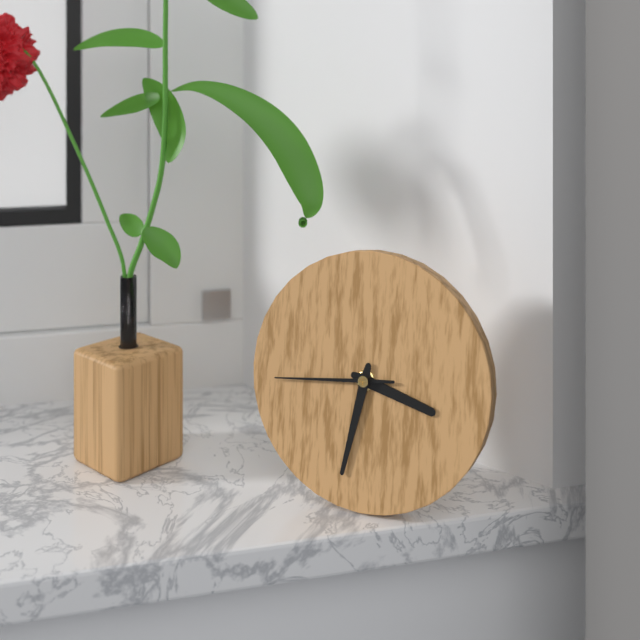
**3:32:44**
